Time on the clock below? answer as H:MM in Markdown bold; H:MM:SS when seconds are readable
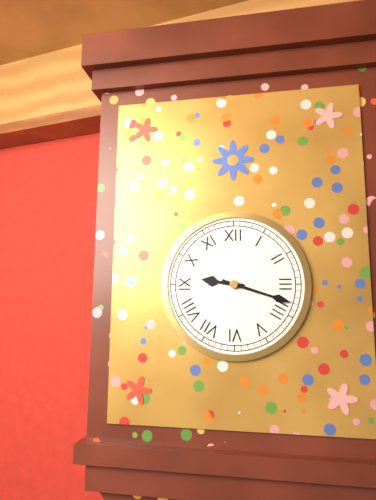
**9:18**
